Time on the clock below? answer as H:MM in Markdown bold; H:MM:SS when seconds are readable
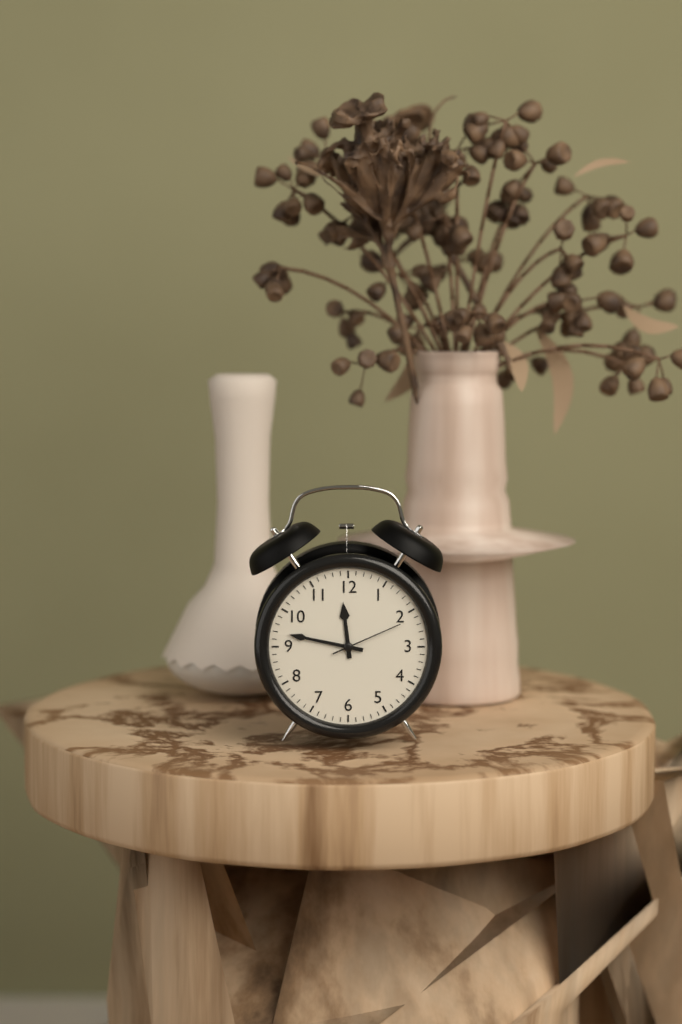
**11:47:11**
